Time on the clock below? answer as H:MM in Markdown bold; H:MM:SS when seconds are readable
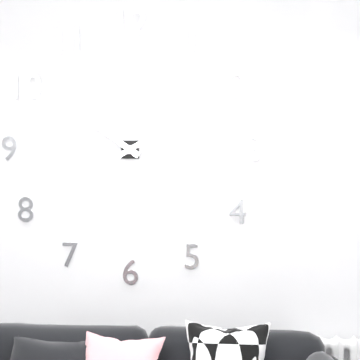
**10:10**
